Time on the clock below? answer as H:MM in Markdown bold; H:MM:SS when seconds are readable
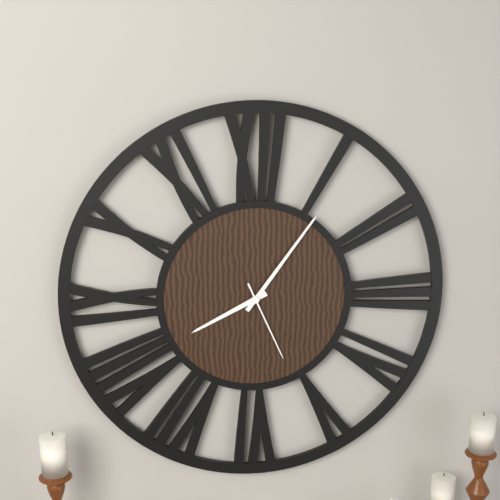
**8:06:26**
